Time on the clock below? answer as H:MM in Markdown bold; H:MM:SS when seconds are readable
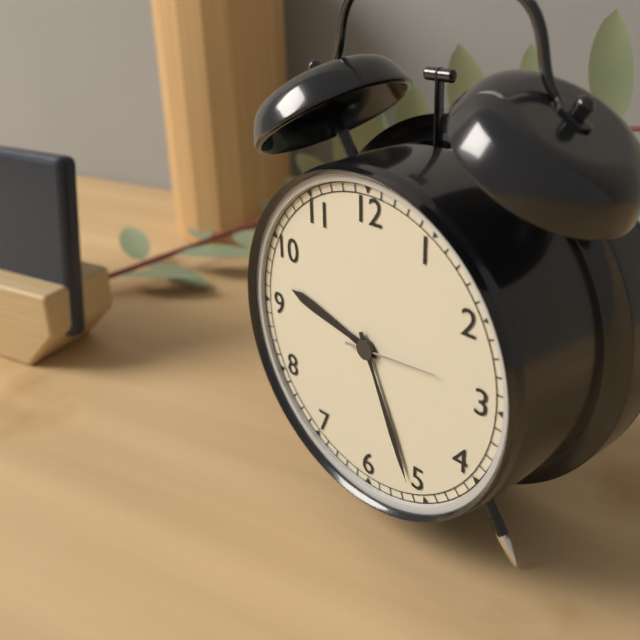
**9:26:14**
